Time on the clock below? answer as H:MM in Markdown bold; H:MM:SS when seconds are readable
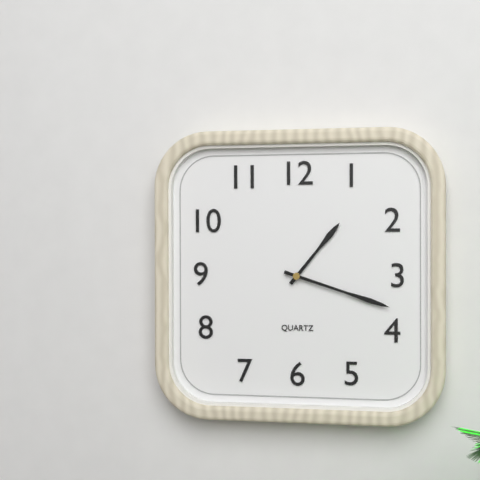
**1:18**
